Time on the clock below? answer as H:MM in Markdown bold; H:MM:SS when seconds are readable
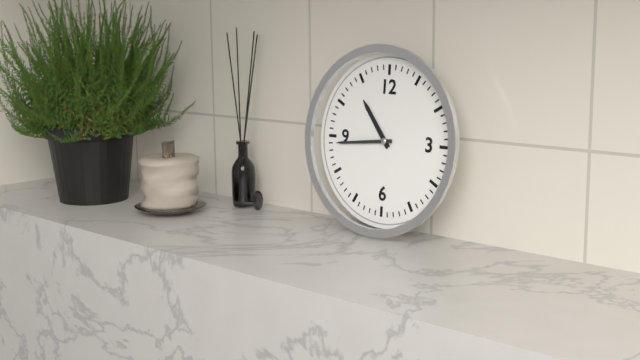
**10:44**
